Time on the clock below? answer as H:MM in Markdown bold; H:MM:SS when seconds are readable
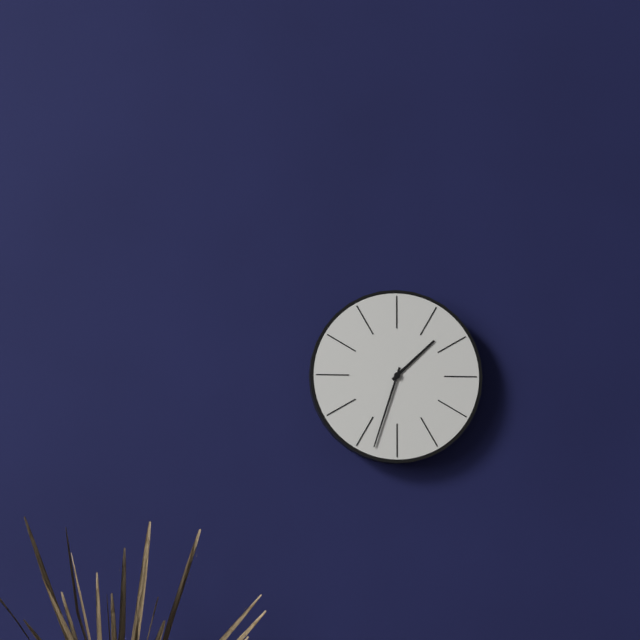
**1:33**
